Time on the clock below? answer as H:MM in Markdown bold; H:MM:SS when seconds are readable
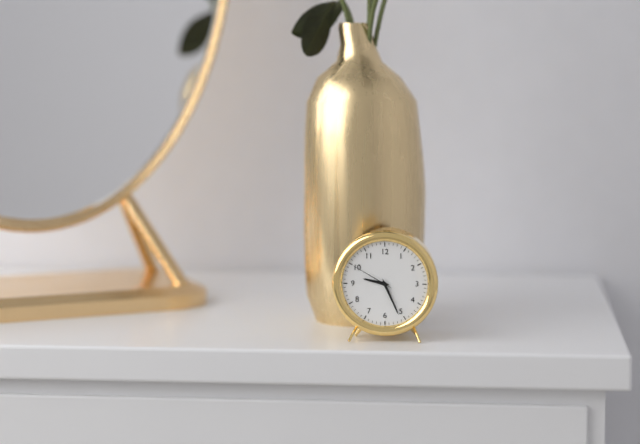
**9:26**
